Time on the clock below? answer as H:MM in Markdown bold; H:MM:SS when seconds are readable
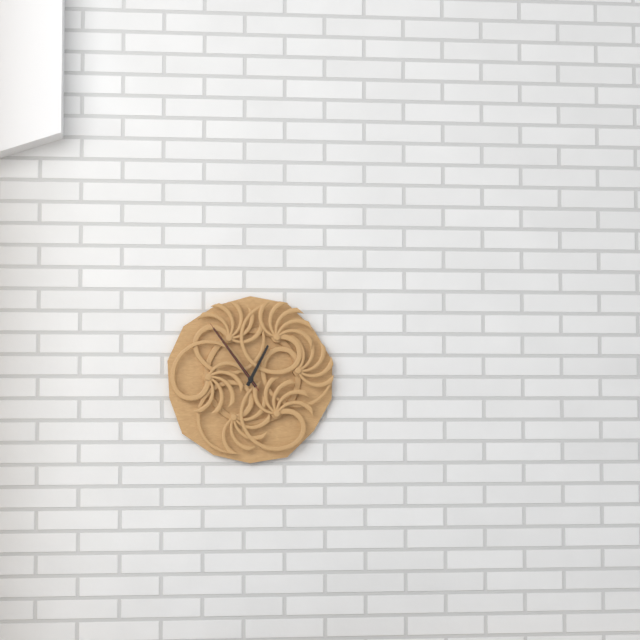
**12:54:54**
